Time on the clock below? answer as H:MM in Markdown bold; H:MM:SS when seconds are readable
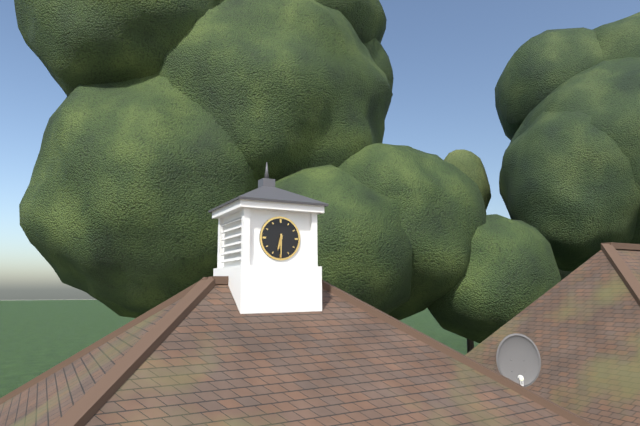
**6:30**
